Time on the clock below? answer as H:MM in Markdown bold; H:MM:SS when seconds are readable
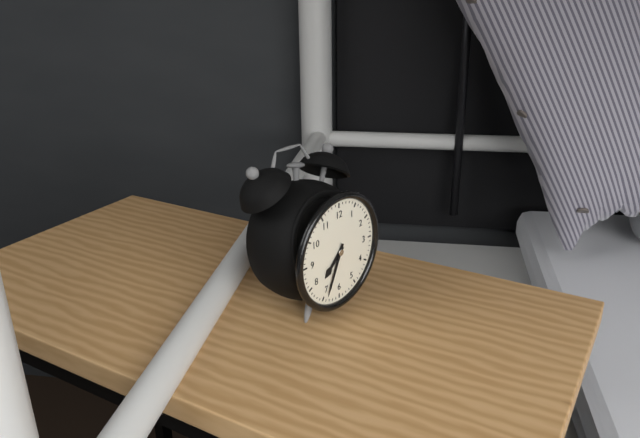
**7:34**
